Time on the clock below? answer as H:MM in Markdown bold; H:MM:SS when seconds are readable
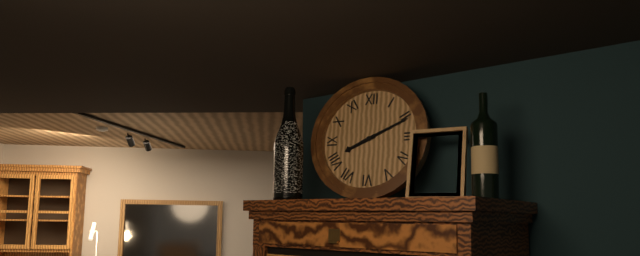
**8:11**
